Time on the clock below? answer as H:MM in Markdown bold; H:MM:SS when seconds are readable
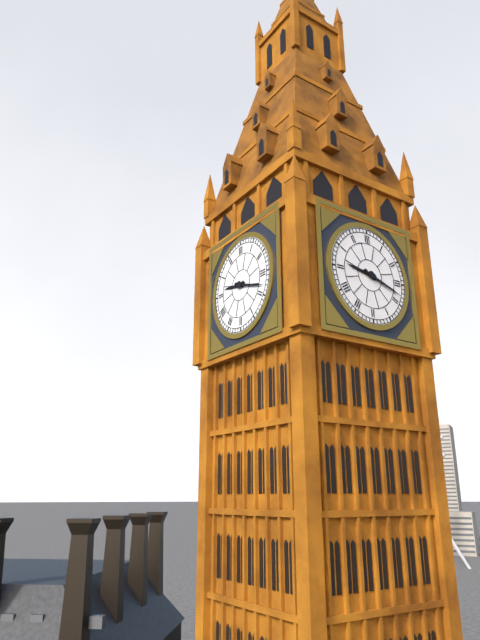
**9:18**
